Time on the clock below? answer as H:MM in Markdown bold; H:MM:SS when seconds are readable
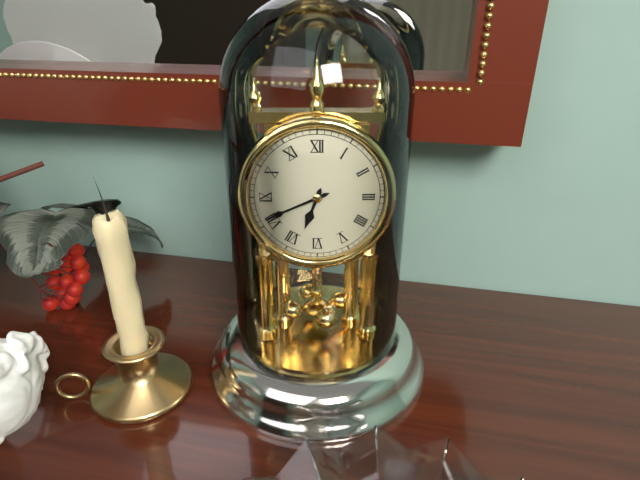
**6:41**
